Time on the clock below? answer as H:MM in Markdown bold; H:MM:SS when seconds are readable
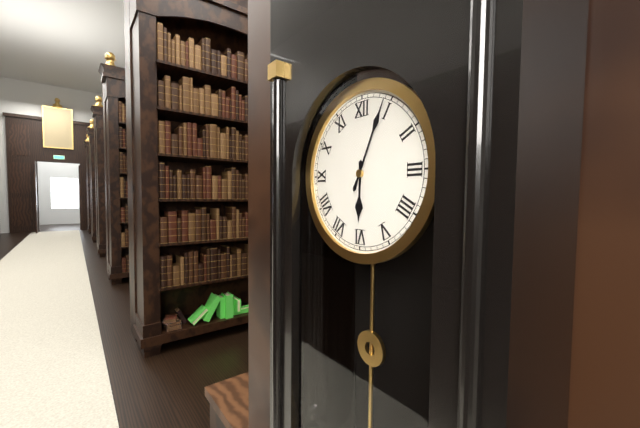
**6:04**
